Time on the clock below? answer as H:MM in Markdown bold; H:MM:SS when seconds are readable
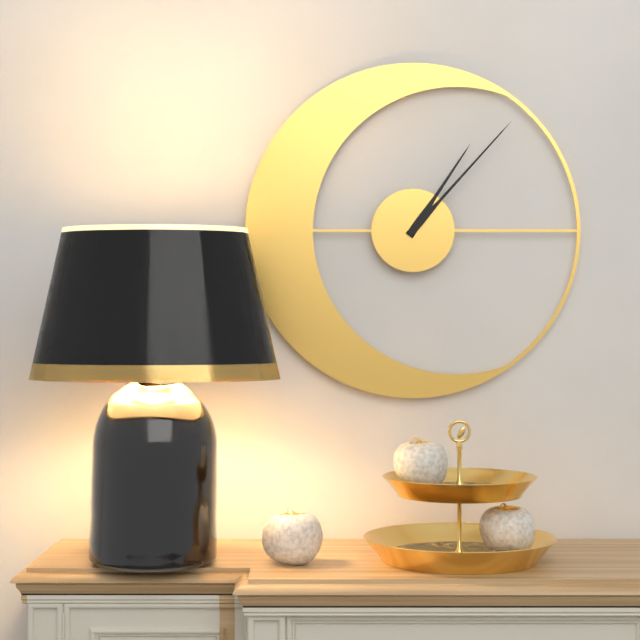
**1:07**
